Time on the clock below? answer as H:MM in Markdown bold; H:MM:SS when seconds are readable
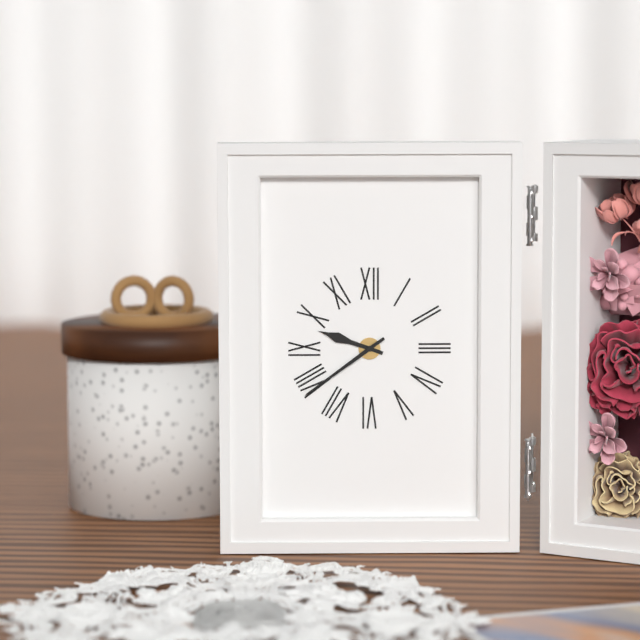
**9:39**
